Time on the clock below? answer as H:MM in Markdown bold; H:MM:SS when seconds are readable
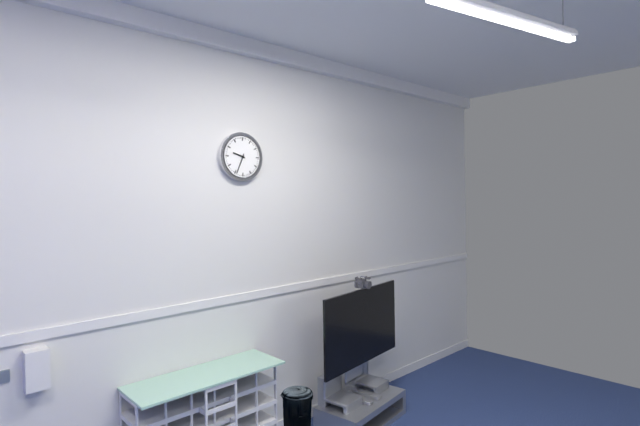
**9:34**
